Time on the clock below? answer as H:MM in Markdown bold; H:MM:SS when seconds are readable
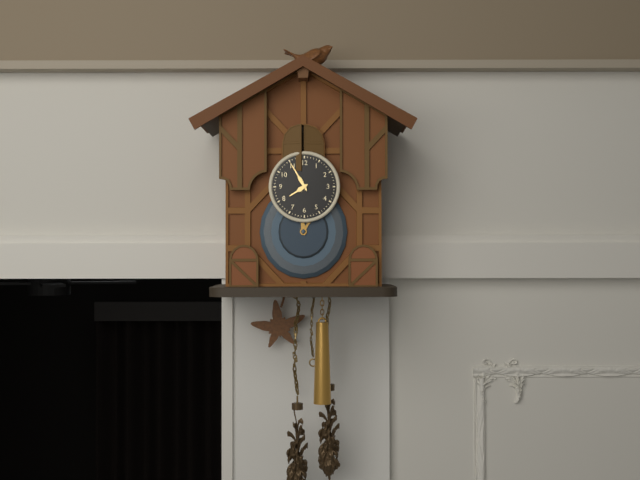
**7:55**
